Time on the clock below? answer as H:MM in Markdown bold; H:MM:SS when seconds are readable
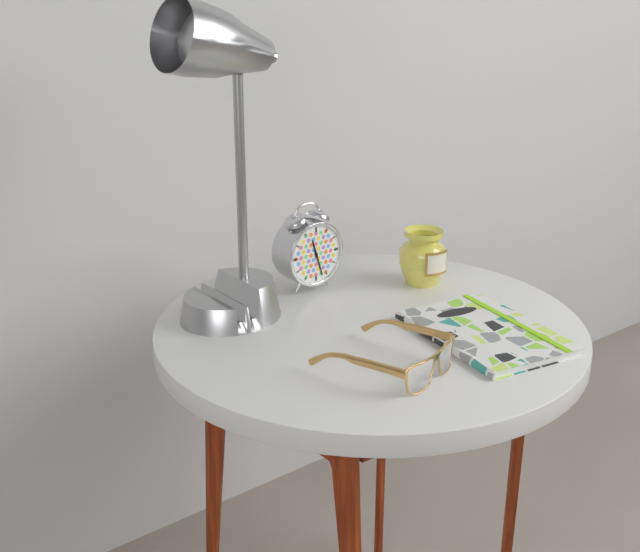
**11:27**
